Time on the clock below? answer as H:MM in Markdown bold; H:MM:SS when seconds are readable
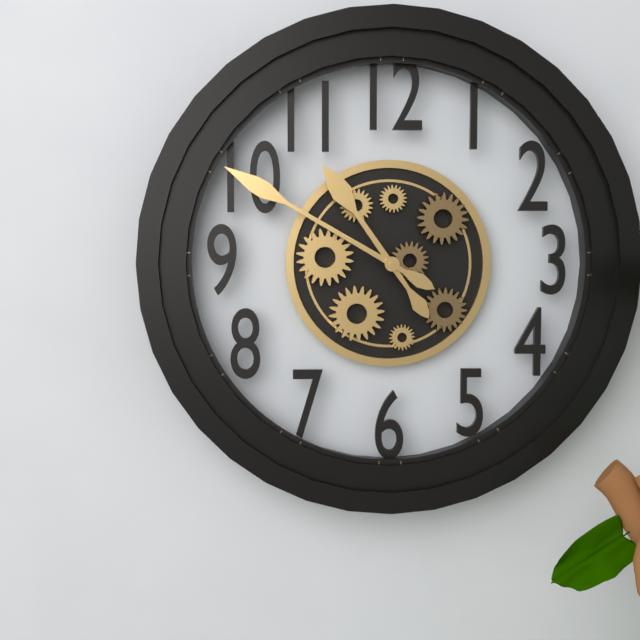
**10:50**
